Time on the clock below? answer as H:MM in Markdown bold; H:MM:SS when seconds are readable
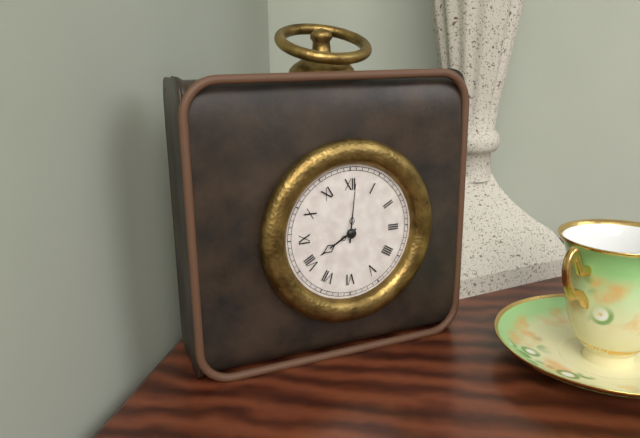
**8:01**
